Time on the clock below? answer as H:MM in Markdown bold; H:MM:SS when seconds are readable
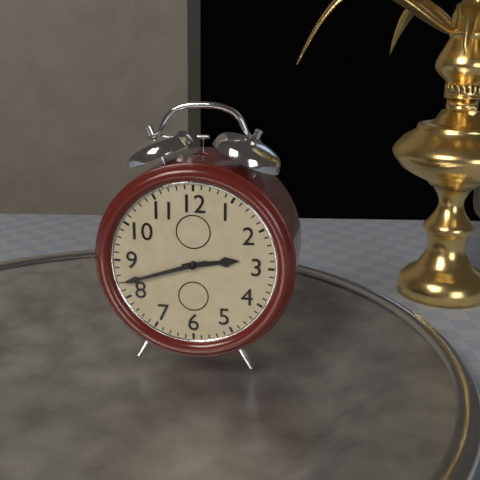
**2:42**
